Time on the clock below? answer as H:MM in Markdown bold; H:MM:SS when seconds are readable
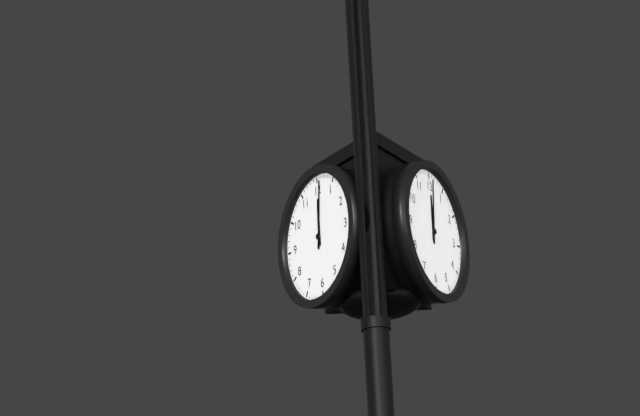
**12:01**
